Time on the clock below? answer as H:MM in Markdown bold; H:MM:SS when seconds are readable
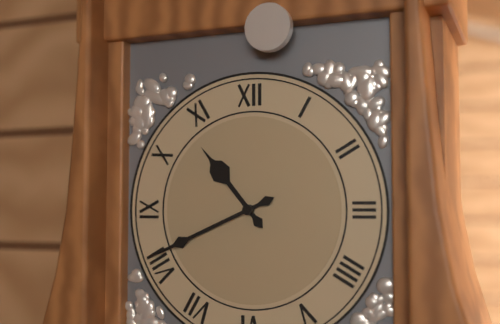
**10:41**
